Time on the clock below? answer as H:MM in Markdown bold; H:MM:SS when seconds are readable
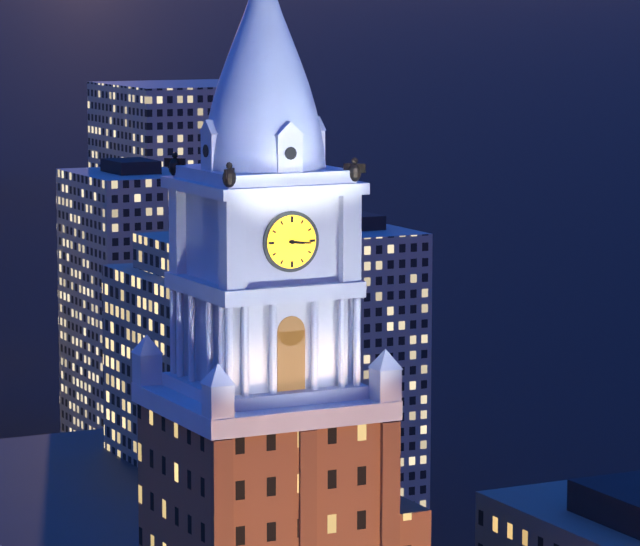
**3:16**
